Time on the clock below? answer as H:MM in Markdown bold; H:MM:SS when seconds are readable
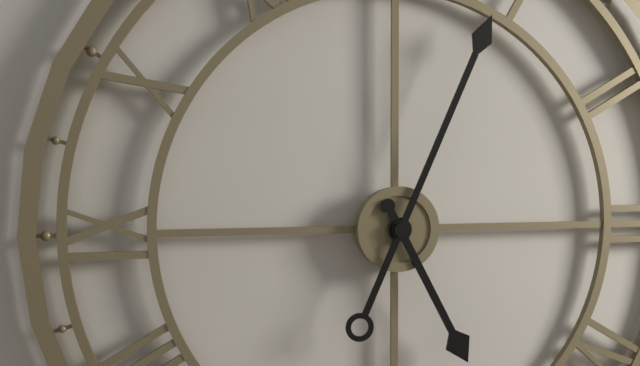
**5:04**
